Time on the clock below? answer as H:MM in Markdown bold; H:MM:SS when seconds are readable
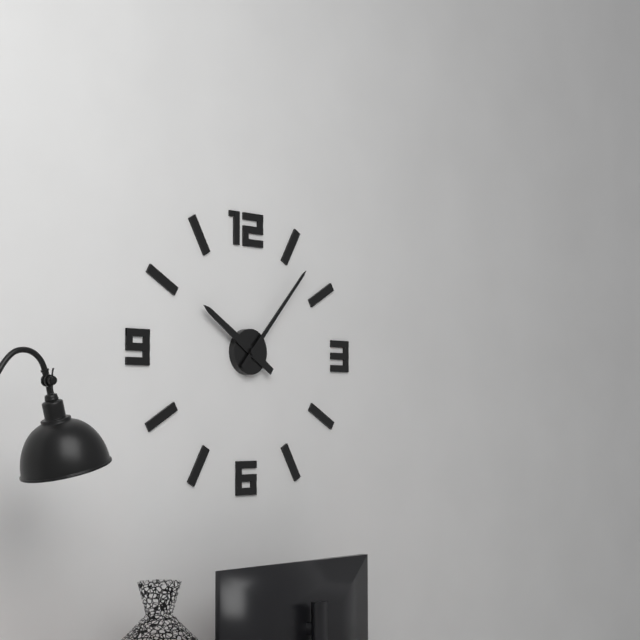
**10:07**
